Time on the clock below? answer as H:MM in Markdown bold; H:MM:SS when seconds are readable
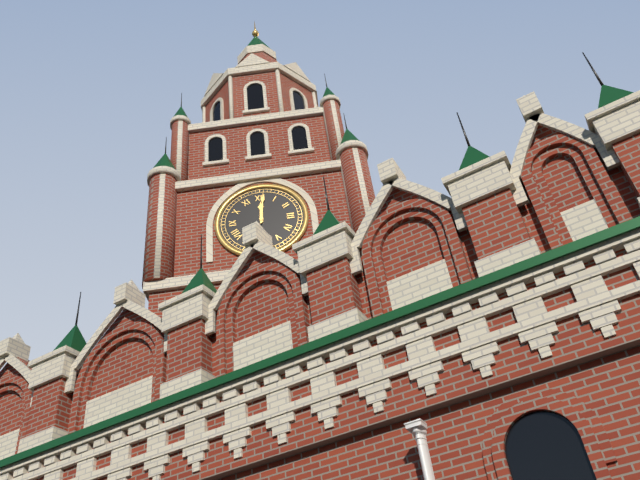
**12:01**
